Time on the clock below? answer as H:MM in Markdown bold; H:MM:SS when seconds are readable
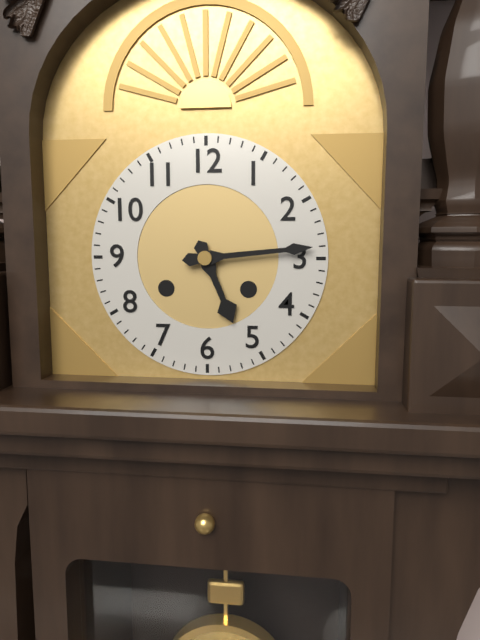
**5:14**
